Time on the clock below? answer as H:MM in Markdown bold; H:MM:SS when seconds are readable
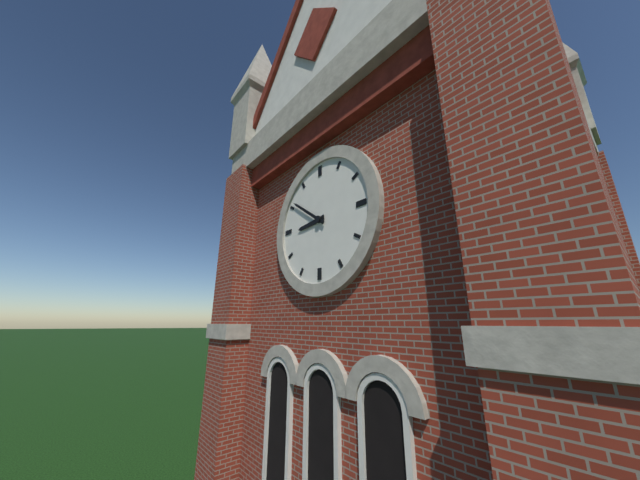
**8:51**
